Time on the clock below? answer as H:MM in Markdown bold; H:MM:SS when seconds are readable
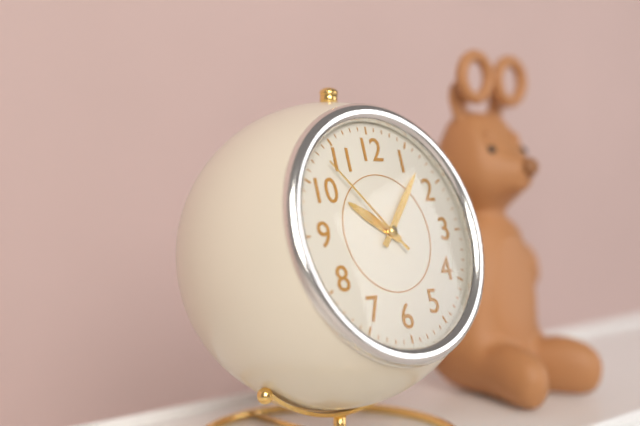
**10:07:53**
